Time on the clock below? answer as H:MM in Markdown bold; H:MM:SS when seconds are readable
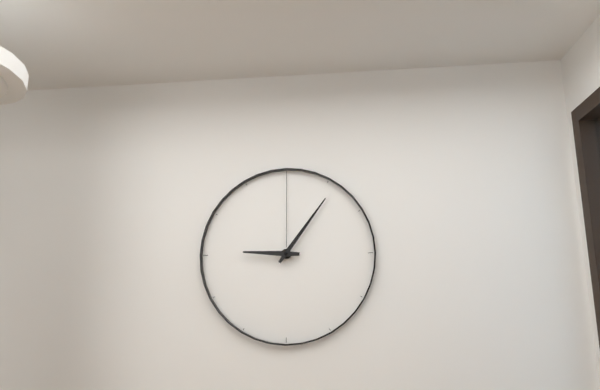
**9:06**
